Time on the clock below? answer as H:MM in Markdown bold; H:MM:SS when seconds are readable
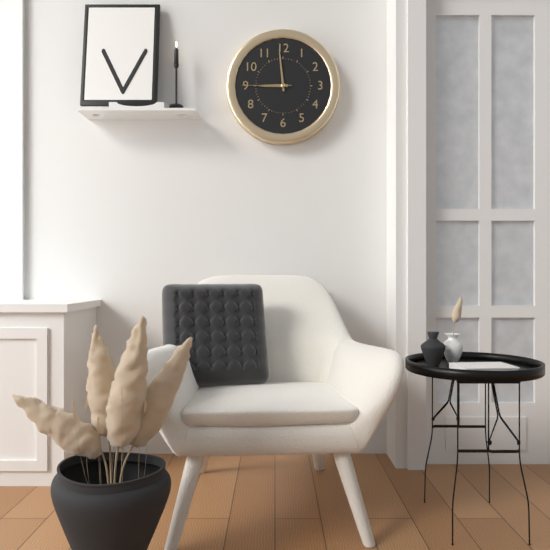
**8:59:45**
